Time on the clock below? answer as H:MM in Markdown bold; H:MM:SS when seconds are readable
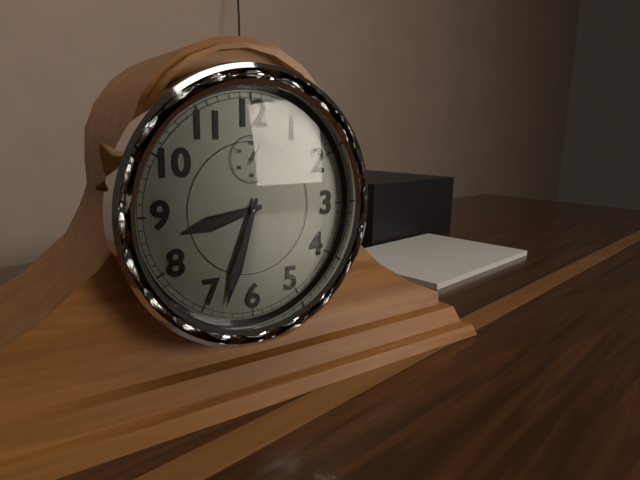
**8:33**
